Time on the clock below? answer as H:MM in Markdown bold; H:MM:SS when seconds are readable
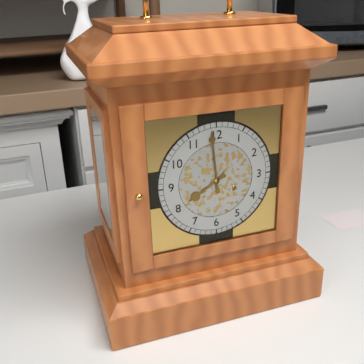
**7:59**
